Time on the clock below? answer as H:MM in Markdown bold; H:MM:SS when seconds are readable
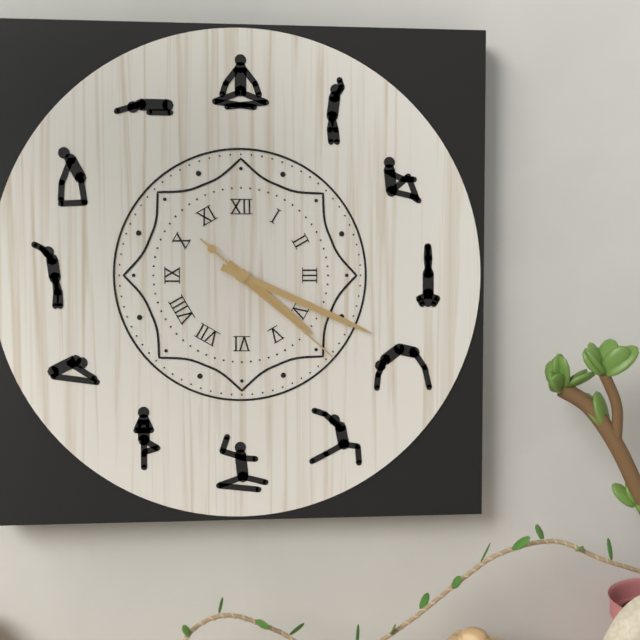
**4:19:22**
